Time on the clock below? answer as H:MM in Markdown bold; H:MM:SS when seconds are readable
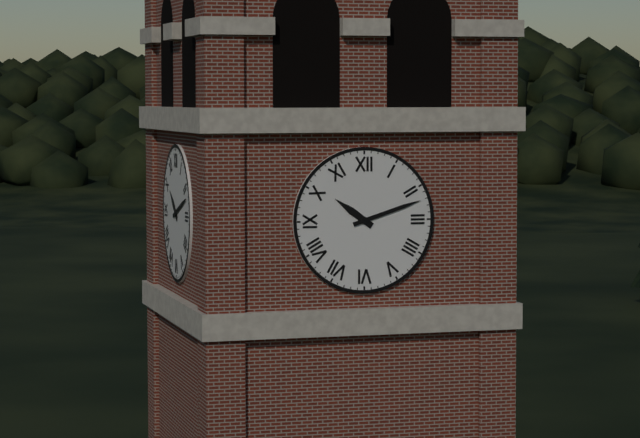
**10:12**
